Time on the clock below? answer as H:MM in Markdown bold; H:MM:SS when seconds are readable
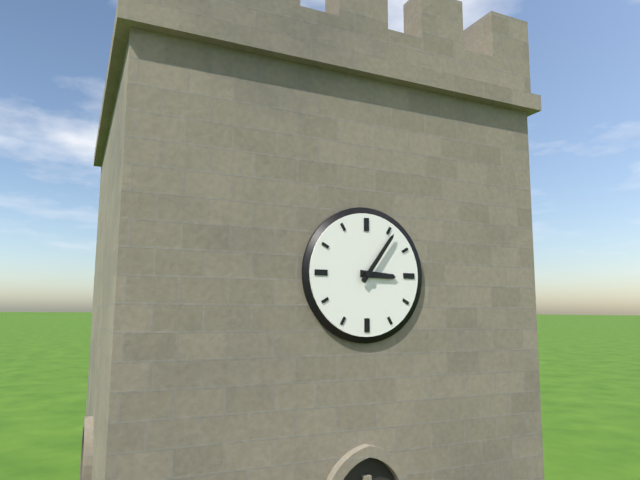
**3:06**
